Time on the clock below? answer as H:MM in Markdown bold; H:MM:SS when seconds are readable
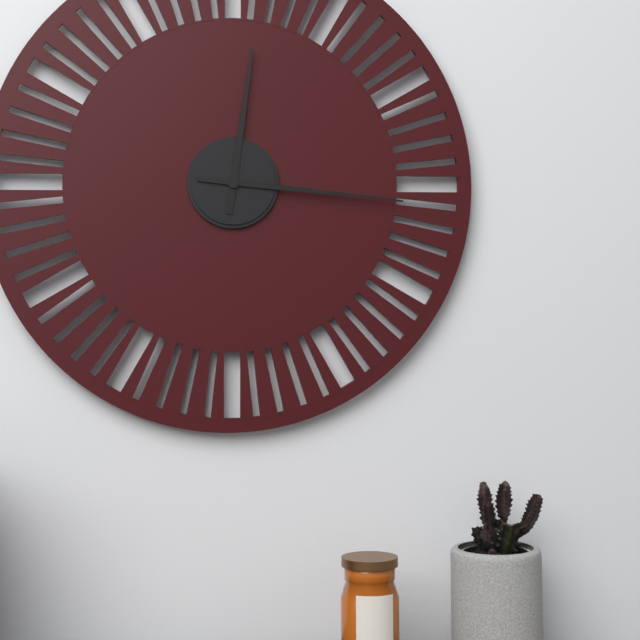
**12:16**
